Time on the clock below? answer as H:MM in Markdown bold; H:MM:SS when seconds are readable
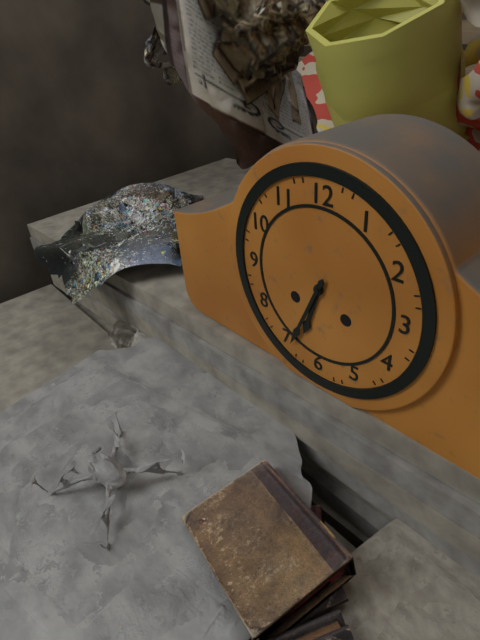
**6:34**
